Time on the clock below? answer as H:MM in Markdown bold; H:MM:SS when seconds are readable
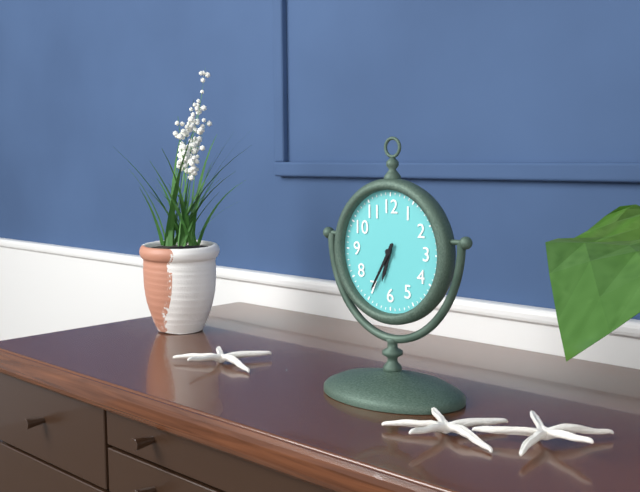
**6:35**
